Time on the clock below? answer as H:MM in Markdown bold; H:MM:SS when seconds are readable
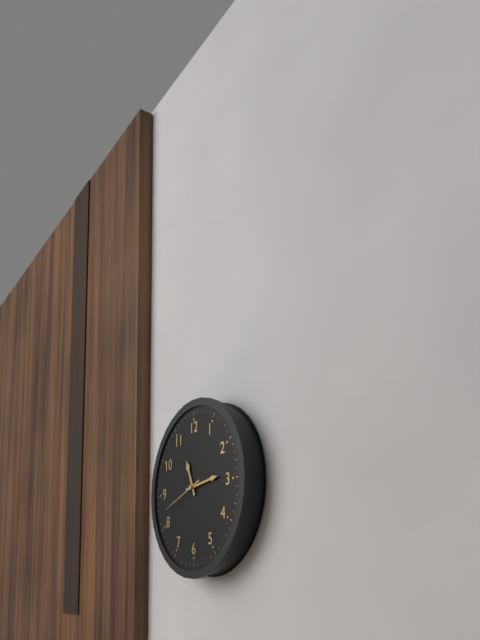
**11:14**
